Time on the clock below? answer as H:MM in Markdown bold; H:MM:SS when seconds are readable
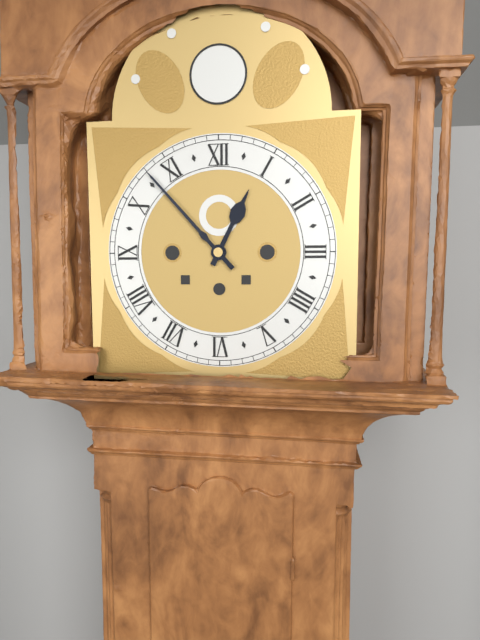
**12:53**
